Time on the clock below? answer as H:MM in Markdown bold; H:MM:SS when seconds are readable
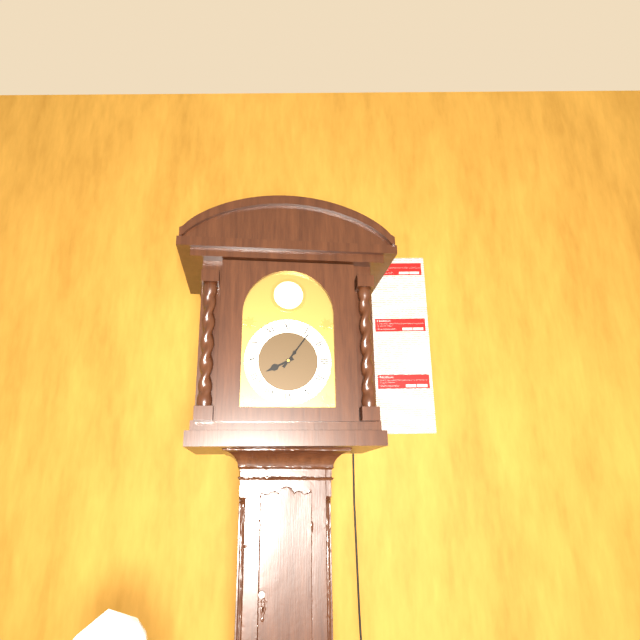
**8:06**
